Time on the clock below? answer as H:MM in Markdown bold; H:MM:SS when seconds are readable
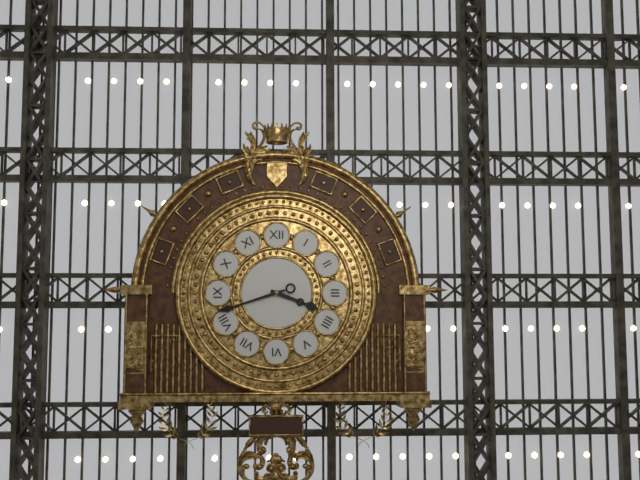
**3:42**
